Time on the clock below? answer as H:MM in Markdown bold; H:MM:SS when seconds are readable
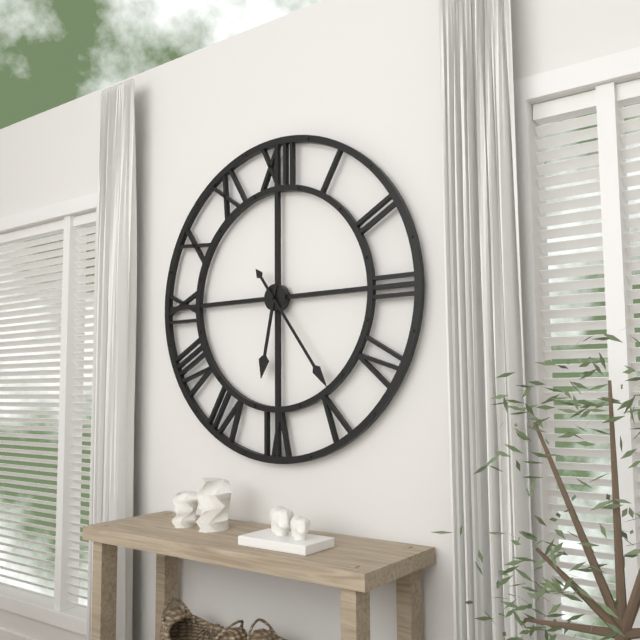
**6:24**
